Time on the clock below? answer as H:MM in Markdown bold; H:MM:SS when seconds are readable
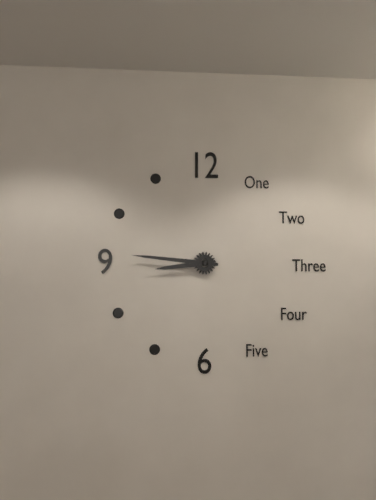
**8:46**
